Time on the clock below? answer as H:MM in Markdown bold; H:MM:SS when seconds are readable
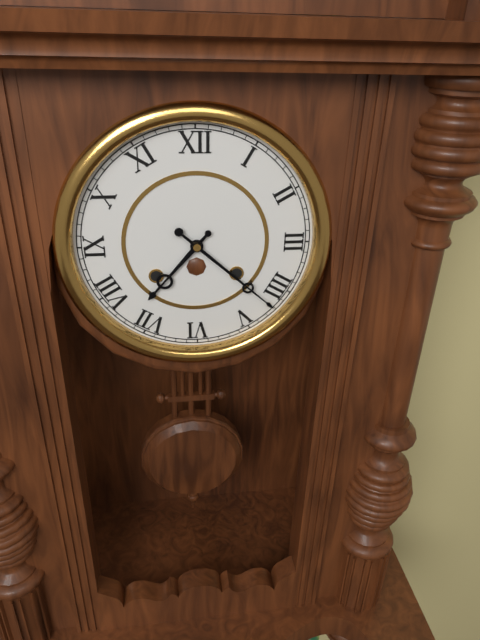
**7:22**
